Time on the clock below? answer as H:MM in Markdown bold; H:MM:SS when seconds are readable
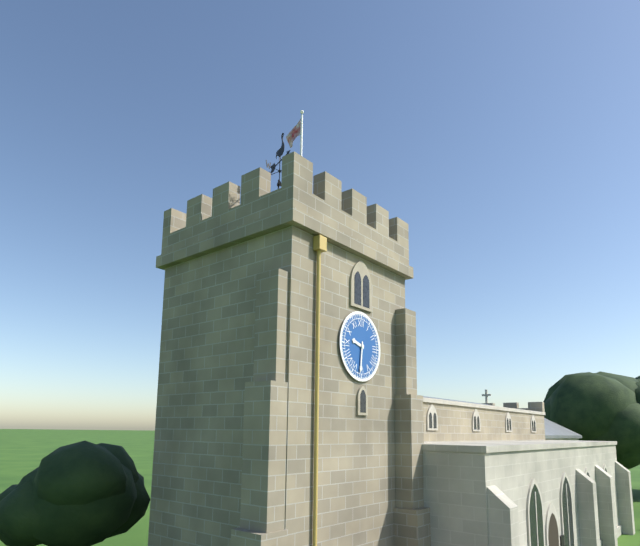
**9:31**
